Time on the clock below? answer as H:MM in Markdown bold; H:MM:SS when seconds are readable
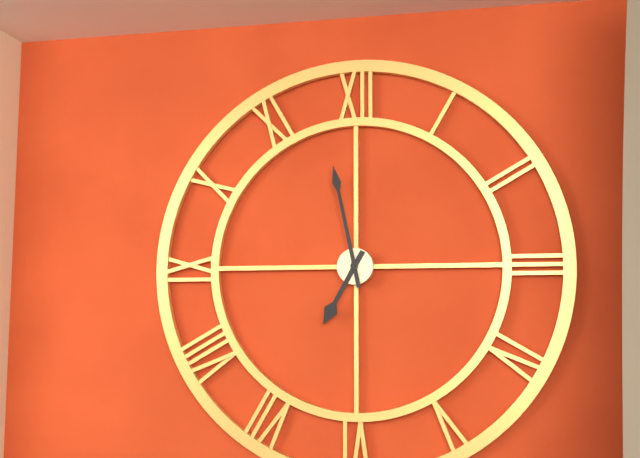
**6:58**
